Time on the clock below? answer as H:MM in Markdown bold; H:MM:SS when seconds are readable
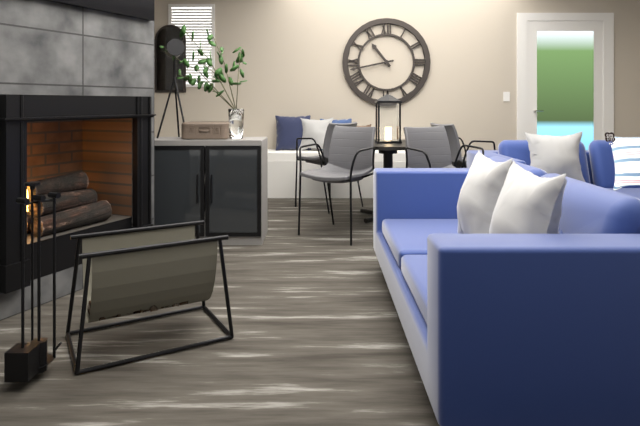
**10:43**
